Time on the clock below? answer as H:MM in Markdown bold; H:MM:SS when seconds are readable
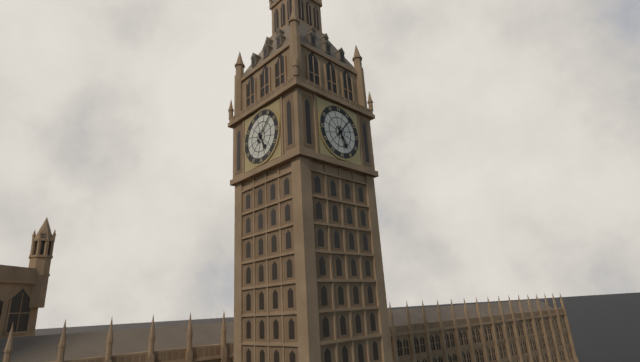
**5:07**
